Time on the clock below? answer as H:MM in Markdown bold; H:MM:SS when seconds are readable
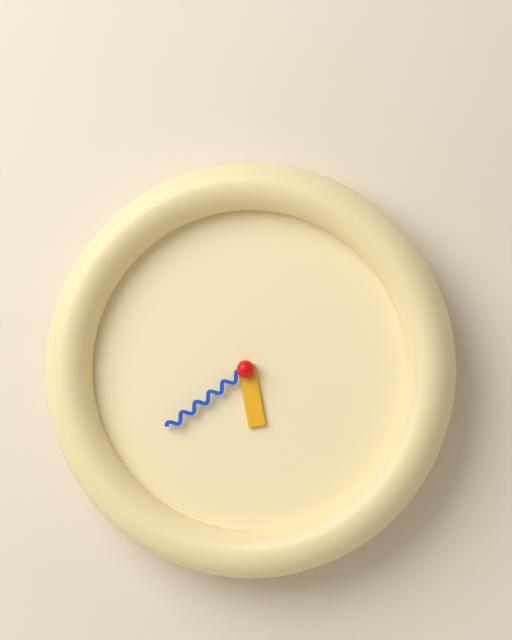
**5:39**
